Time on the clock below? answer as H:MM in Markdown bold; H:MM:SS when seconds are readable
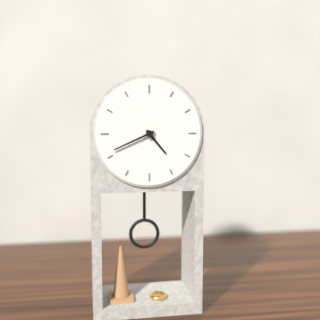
**4:41**
